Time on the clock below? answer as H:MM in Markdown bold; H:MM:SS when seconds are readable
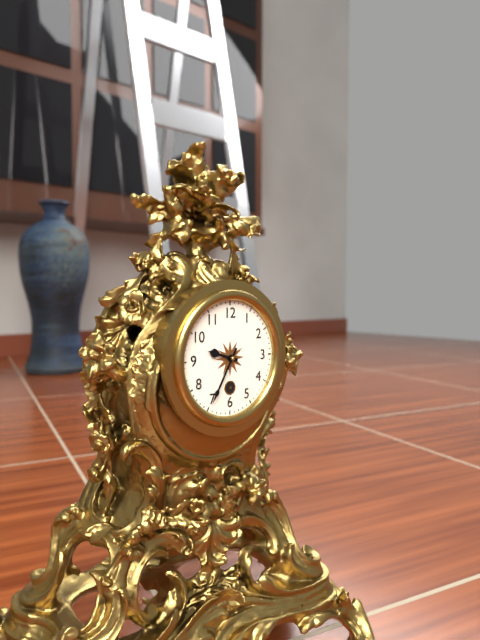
**9:35**
